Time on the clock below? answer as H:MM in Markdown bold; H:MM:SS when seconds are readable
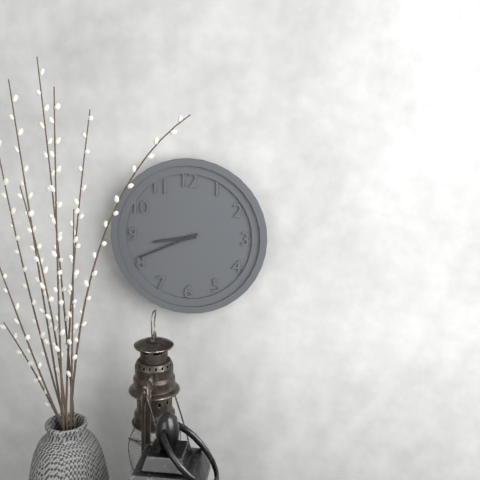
**8:41**
